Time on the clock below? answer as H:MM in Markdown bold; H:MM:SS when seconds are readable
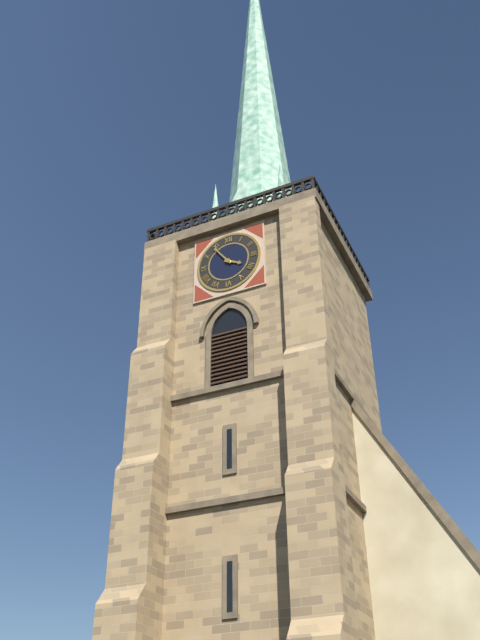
**3:54**
